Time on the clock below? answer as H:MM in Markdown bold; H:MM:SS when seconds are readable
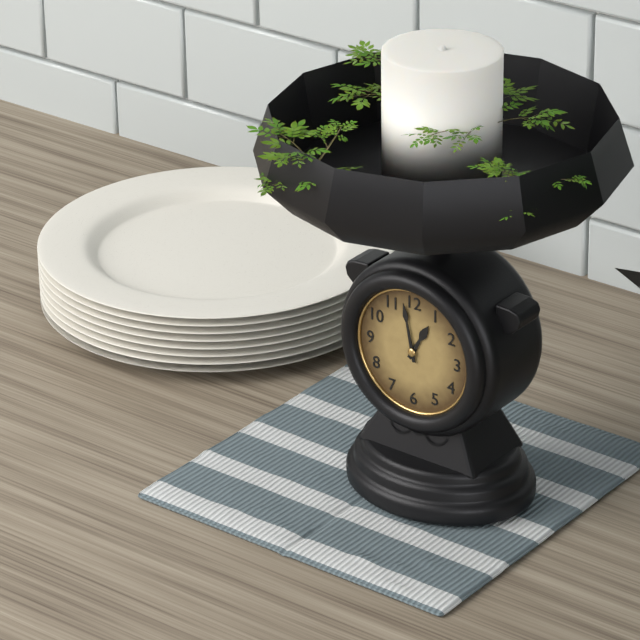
**12:58**
